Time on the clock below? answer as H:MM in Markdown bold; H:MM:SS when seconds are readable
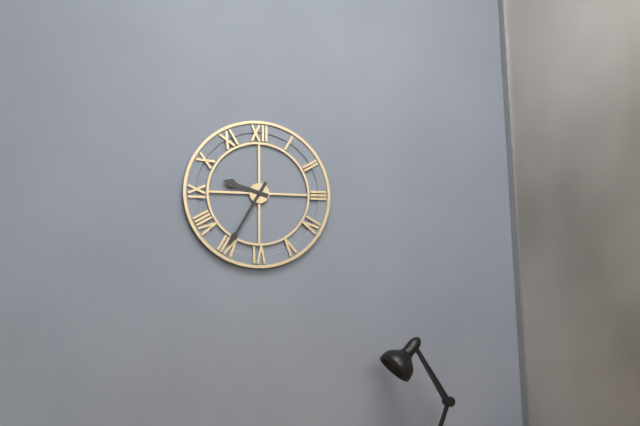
**9:35**
